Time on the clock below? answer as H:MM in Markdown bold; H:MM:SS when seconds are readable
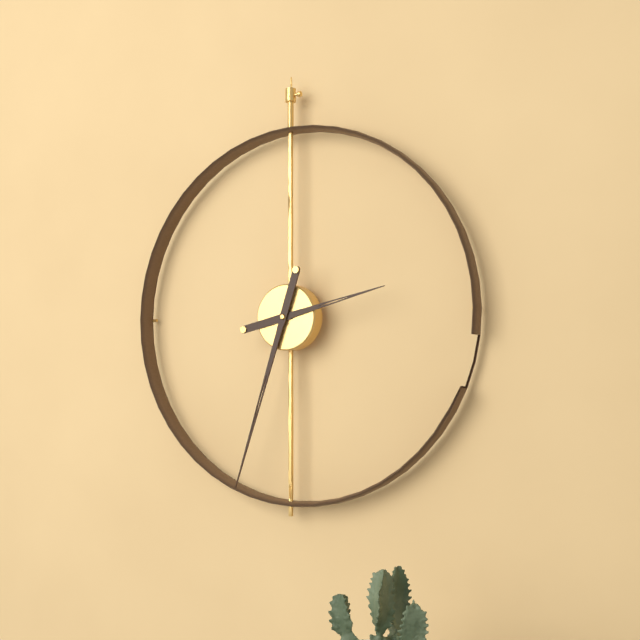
**2:33**
